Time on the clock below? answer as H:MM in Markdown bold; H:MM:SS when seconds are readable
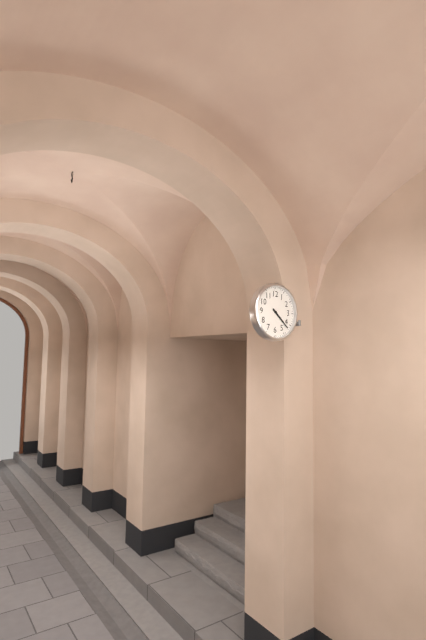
**4:22**
